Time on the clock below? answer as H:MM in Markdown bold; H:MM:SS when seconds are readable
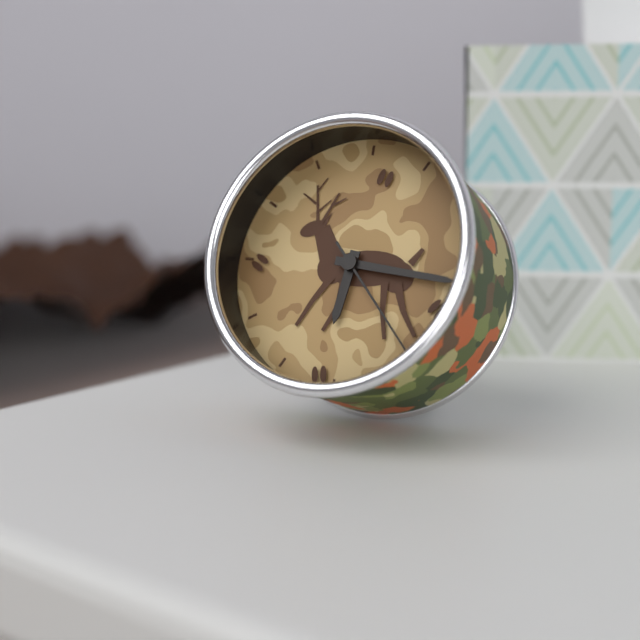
**6:16:23**
